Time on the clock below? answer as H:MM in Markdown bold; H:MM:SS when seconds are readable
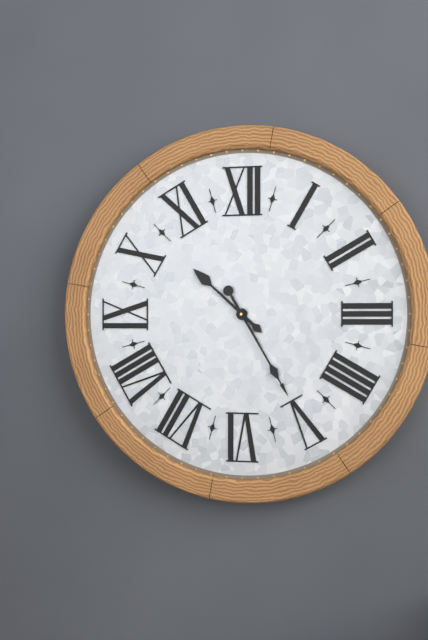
**10:25**
